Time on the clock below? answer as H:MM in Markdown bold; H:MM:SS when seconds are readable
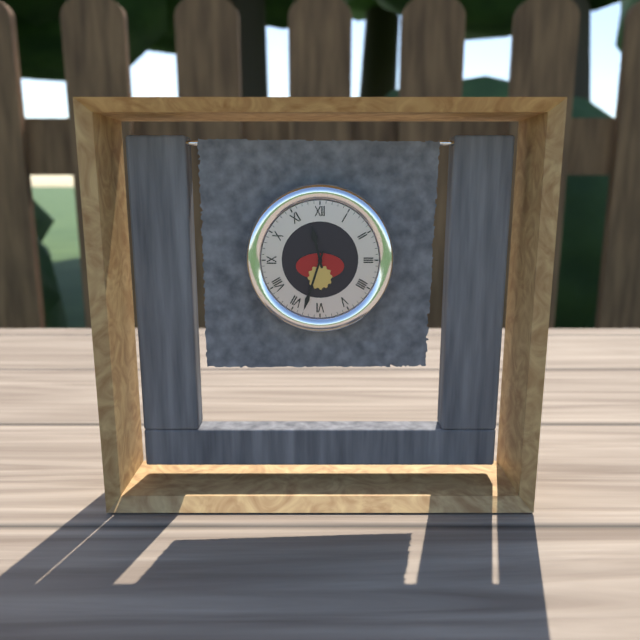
**11:33**
